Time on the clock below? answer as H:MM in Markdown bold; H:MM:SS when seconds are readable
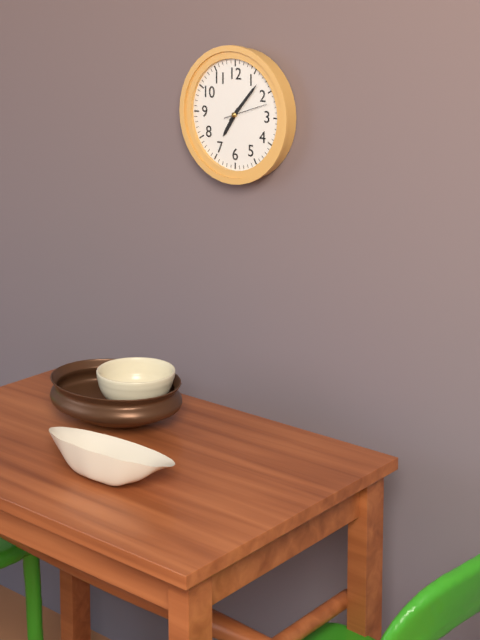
**7:07**
